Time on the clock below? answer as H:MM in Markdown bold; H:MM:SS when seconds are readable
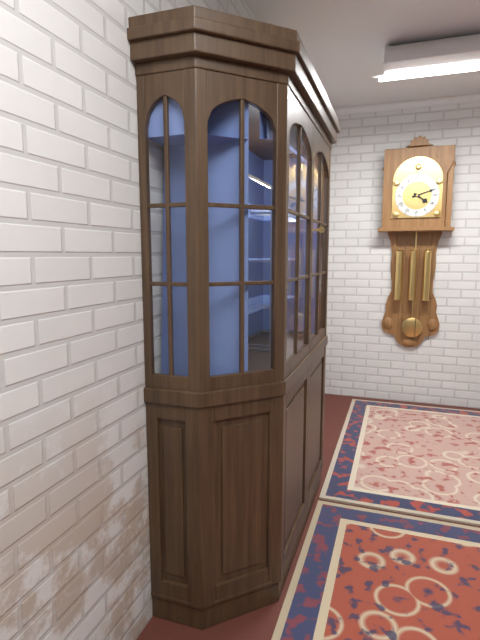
**4:12**
